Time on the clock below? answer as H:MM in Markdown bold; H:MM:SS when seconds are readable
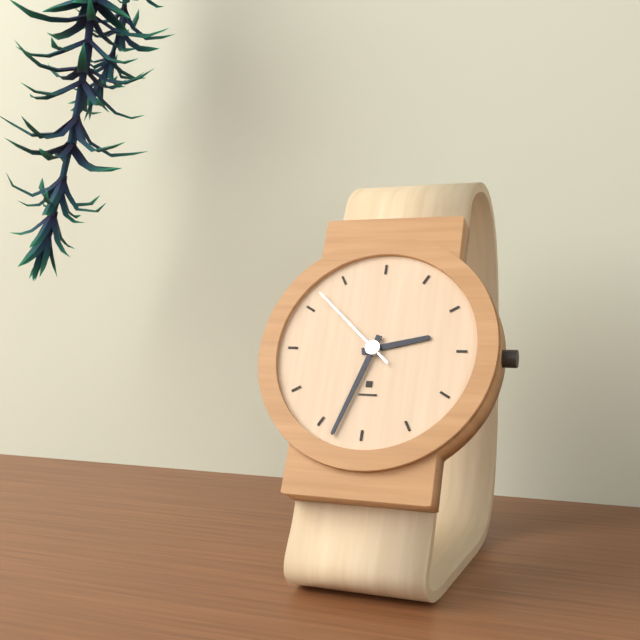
**2:33:52**
